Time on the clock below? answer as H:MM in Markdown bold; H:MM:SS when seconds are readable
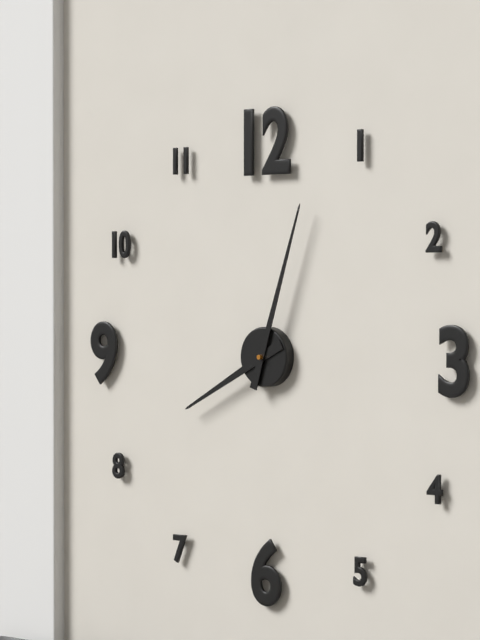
**8:03**
